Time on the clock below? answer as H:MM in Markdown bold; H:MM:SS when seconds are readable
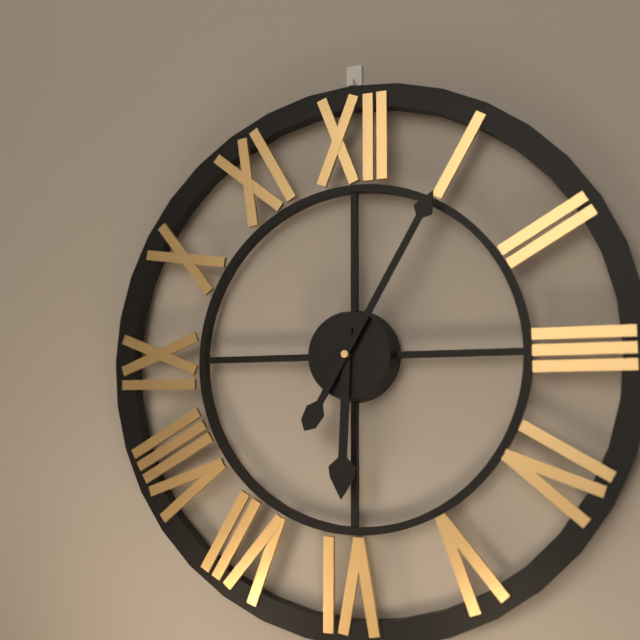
**6:05**
